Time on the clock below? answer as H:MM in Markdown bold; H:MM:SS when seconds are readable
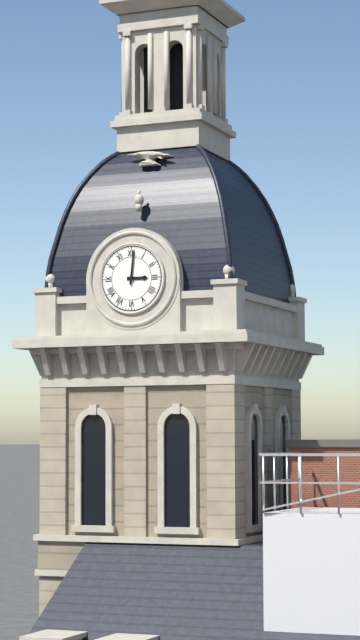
**3:01**
